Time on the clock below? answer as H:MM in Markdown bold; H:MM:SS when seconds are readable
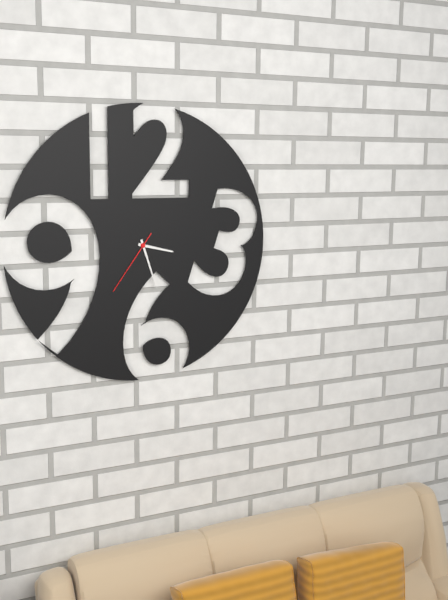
**3:27:36**
